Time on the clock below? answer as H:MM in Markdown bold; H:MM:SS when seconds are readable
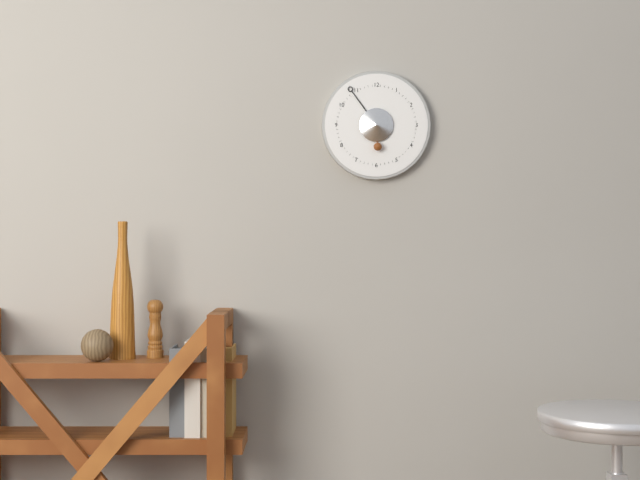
**5:54**
